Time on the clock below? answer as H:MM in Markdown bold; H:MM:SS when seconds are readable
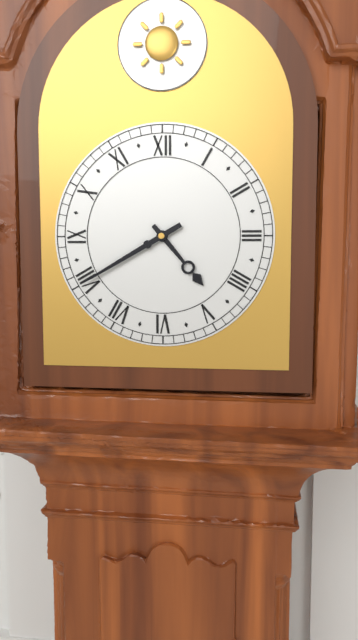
**4:40**
